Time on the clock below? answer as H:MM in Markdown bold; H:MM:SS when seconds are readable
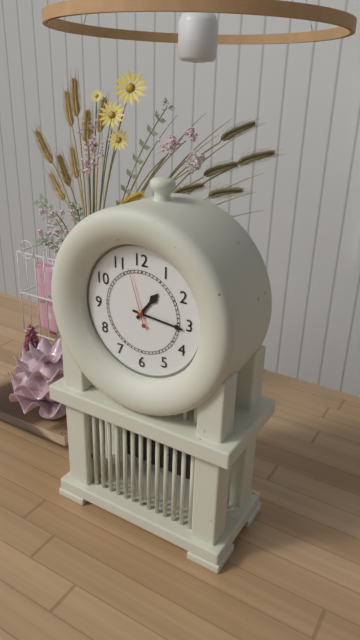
**1:16:57**
